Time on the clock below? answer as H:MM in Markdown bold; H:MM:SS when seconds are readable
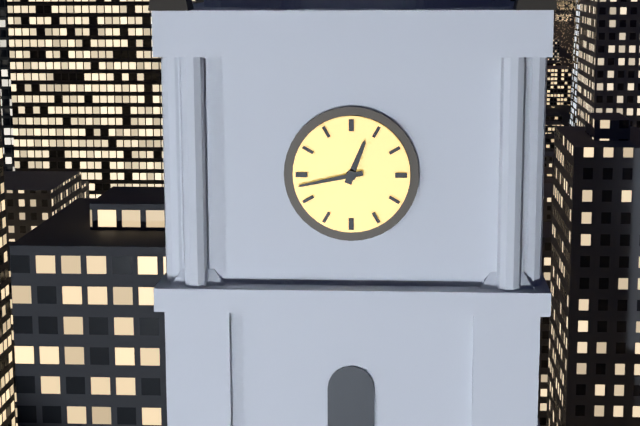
**12:43**
